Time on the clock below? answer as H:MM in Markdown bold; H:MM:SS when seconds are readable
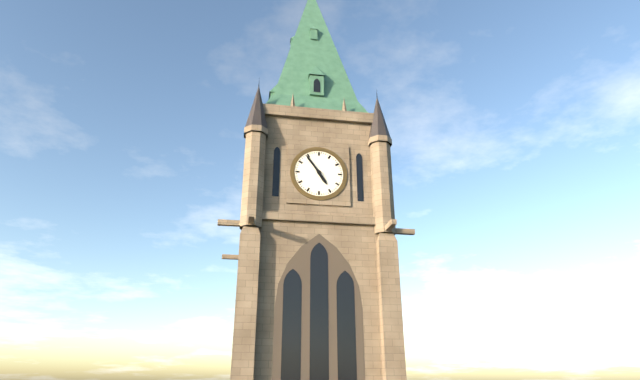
**4:54**
